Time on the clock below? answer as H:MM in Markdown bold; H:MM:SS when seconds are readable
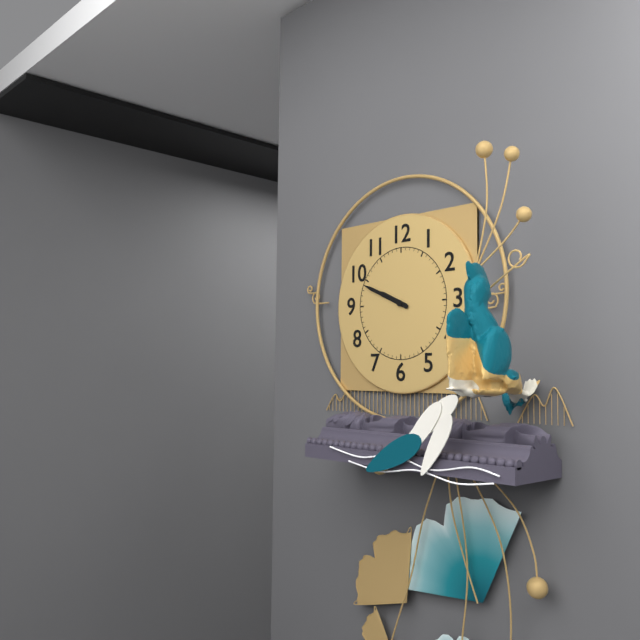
**9:49**
